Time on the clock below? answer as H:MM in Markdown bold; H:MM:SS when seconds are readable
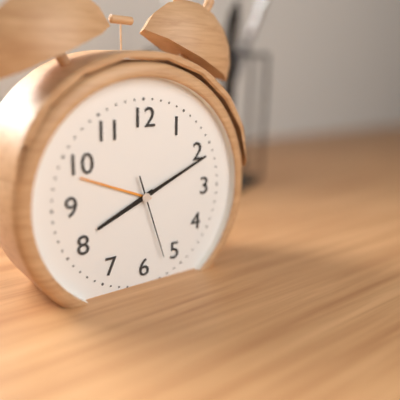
**8:11:27**
